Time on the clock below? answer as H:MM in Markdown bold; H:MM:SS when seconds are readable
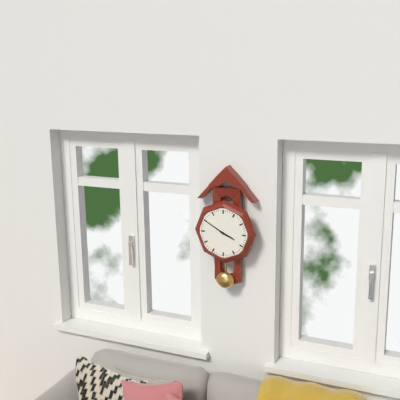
**3:50**
